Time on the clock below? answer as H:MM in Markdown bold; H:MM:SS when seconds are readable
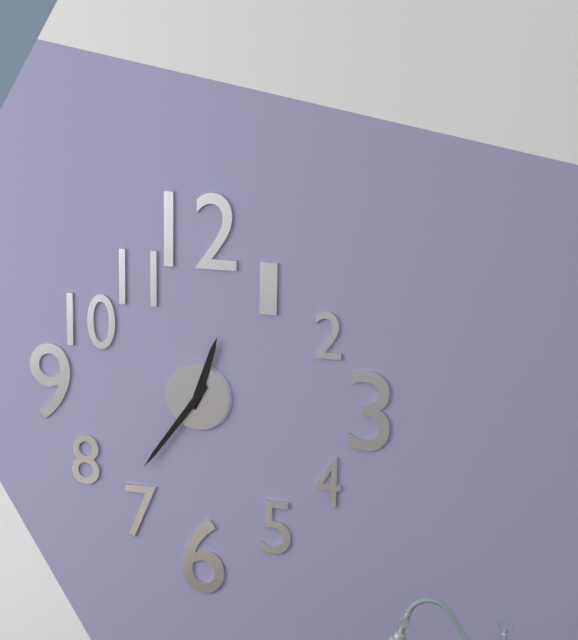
**12:36**
